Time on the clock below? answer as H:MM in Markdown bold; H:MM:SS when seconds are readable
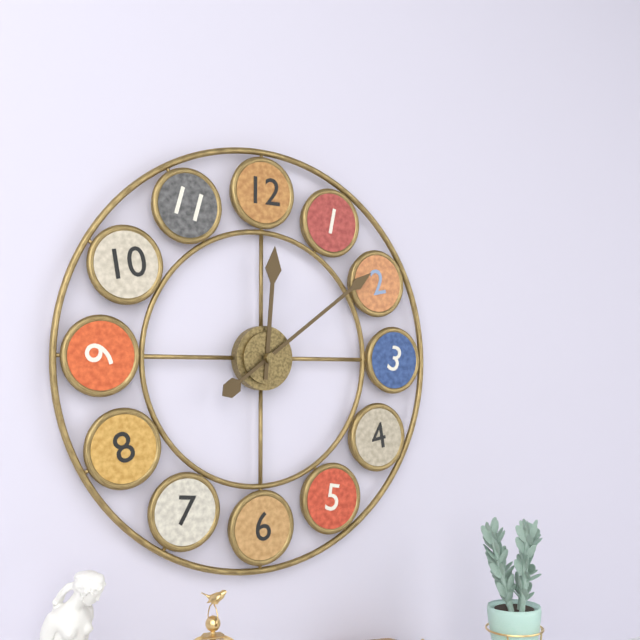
**12:09**
